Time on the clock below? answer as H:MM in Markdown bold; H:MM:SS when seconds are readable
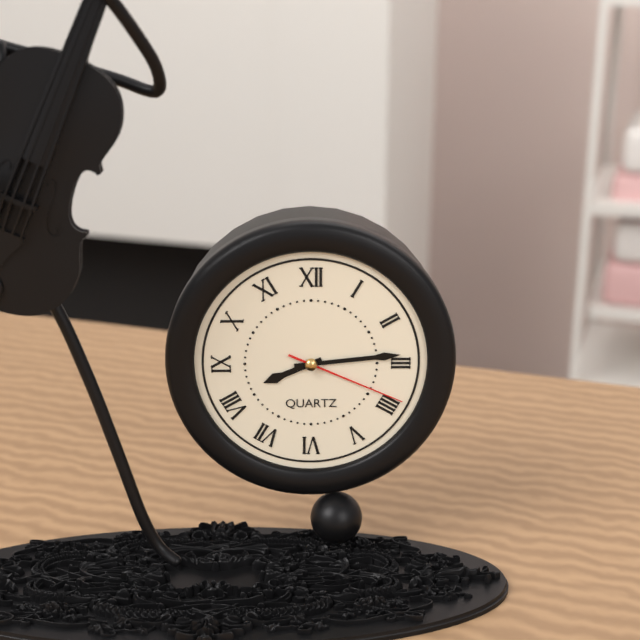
**8:14:19**
